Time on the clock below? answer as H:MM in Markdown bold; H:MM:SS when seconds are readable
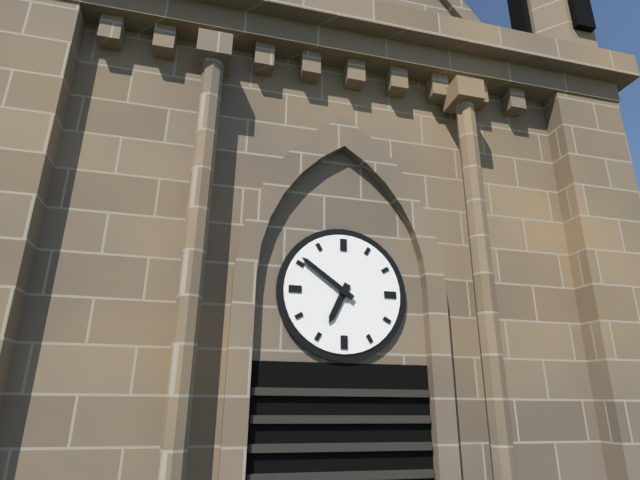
**6:51**
